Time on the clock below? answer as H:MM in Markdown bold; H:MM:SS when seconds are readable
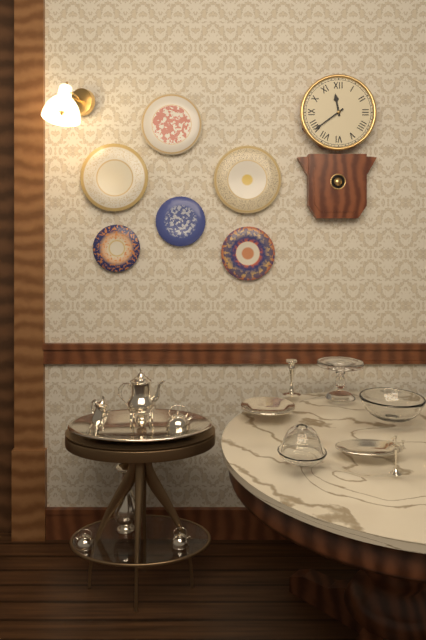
**11:39**
